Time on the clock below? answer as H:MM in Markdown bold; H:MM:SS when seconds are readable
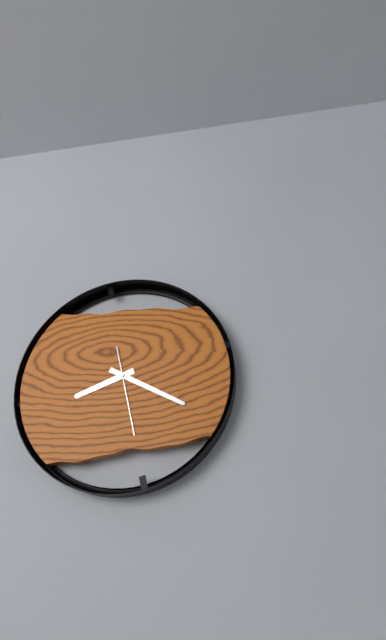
**8:20:28**
